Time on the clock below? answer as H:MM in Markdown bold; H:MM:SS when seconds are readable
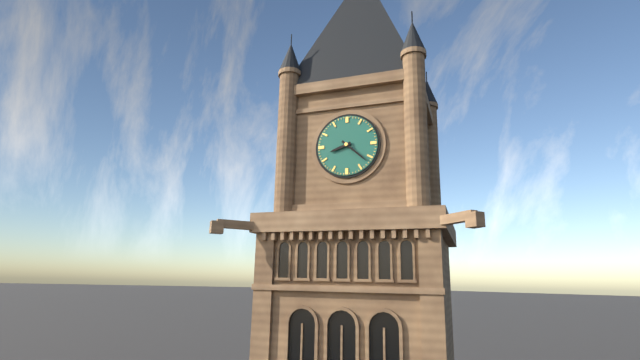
**8:22**
